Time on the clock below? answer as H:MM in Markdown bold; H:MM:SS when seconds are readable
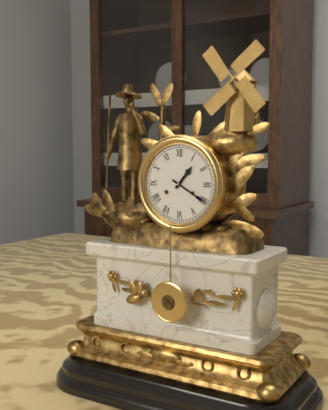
**1:20**
